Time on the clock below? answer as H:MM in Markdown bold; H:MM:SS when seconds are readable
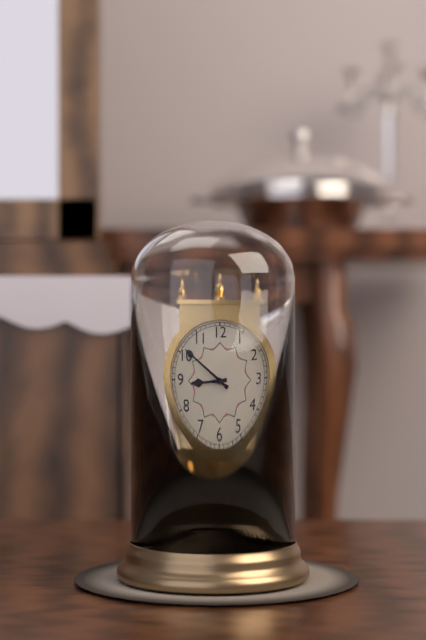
**8:51**
